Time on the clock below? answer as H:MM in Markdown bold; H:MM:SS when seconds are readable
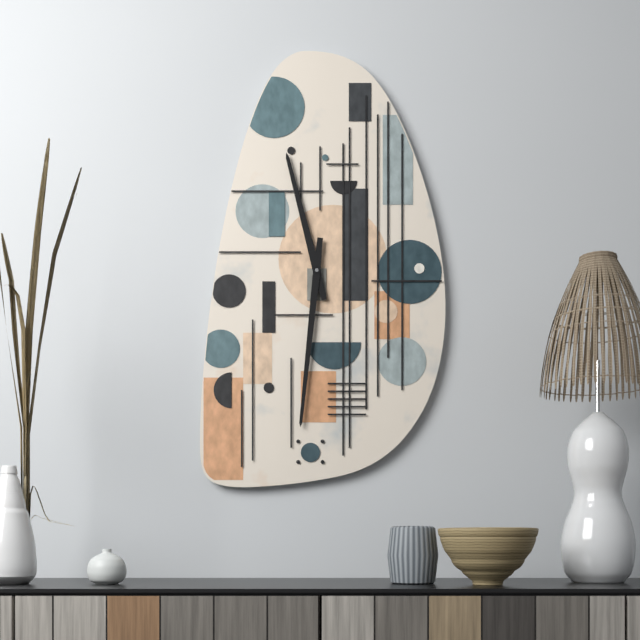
**11:31**
